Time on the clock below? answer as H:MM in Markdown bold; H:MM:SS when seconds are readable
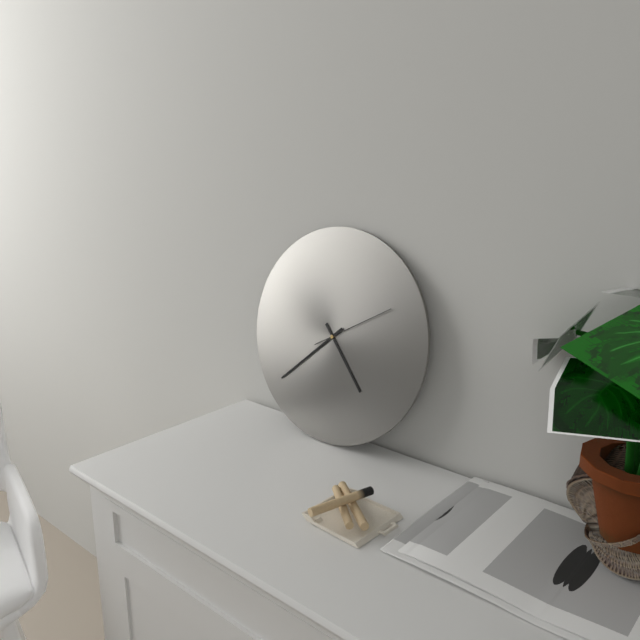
**4:38:10**
